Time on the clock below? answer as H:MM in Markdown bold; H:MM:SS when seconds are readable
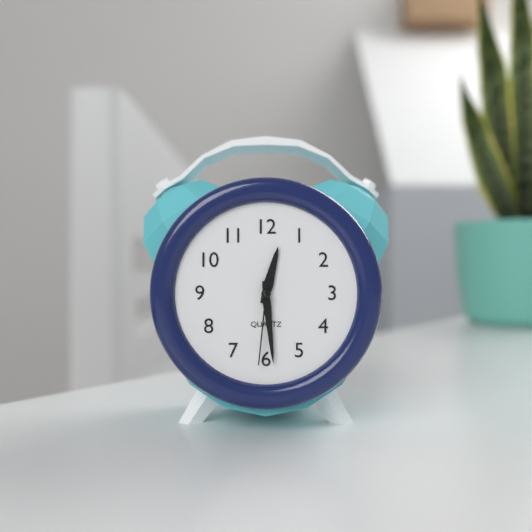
**12:29:31**
